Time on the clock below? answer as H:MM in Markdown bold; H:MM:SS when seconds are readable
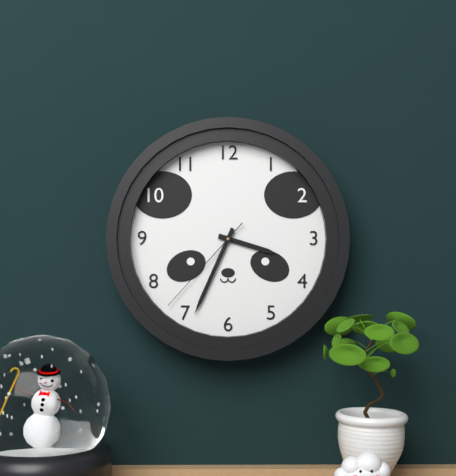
**3:34:37**
